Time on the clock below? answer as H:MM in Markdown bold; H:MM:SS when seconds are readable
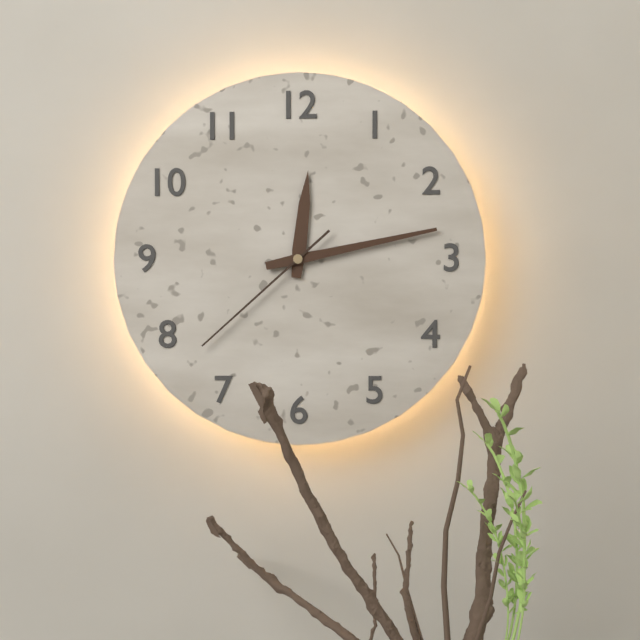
**12:13:38**
